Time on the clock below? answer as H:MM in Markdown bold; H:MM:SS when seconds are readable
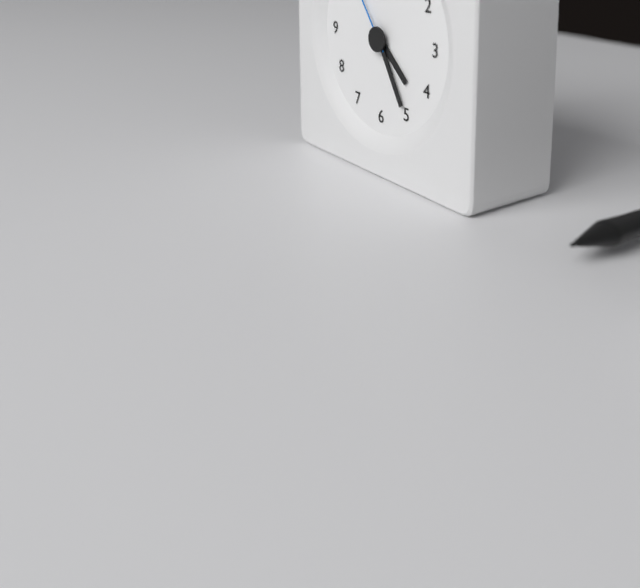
**4:25**
